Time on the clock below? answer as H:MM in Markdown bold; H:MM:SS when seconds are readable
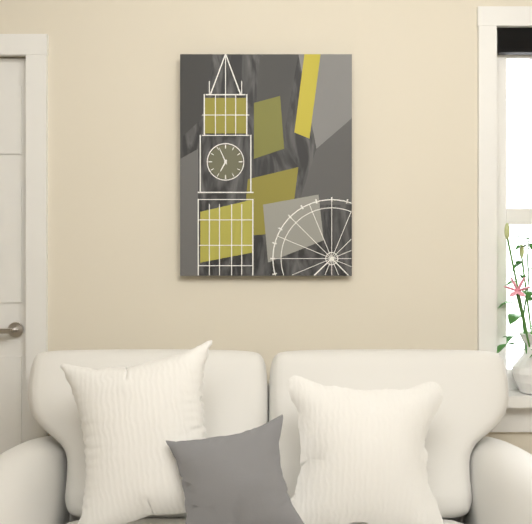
**6:56**
